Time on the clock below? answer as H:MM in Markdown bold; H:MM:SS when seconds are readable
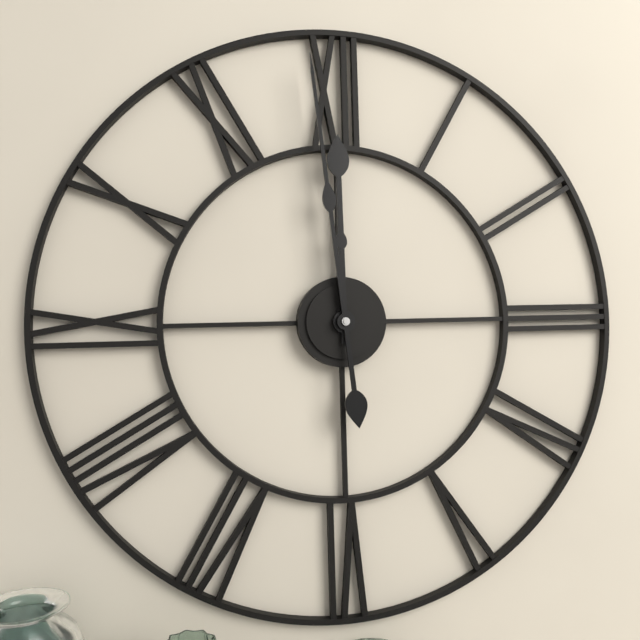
**11:59**
